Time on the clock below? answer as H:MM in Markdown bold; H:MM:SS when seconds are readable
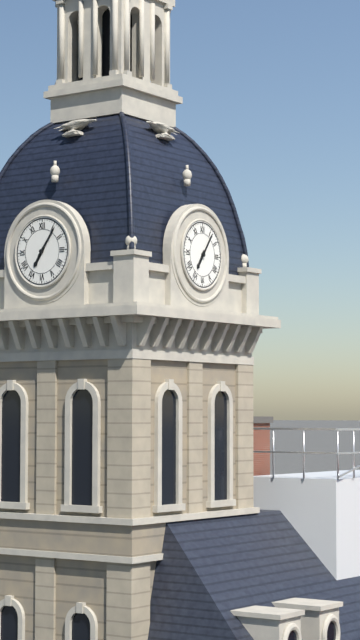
**7:06**
